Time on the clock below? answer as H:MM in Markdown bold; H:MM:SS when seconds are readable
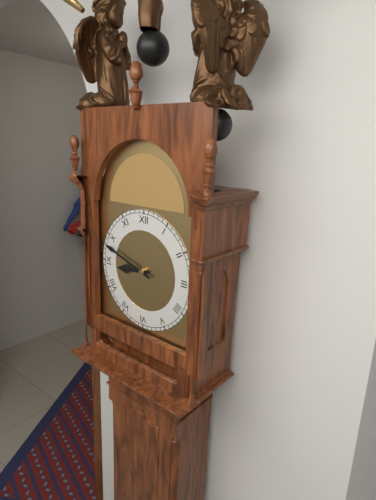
**8:48**
